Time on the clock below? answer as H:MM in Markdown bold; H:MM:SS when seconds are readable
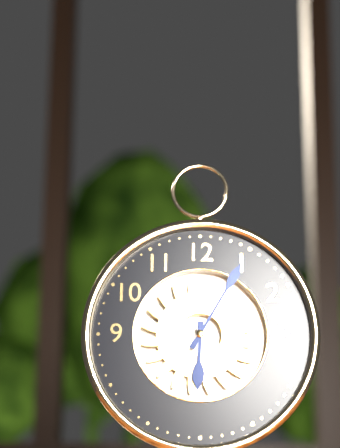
**6:05**
